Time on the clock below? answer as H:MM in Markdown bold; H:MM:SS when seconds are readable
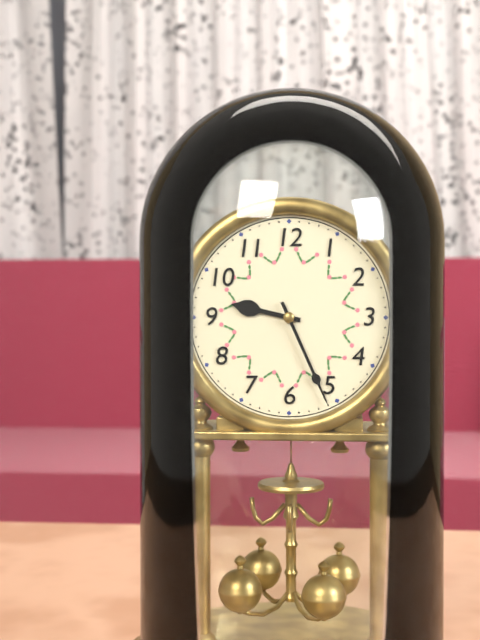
**9:26**
